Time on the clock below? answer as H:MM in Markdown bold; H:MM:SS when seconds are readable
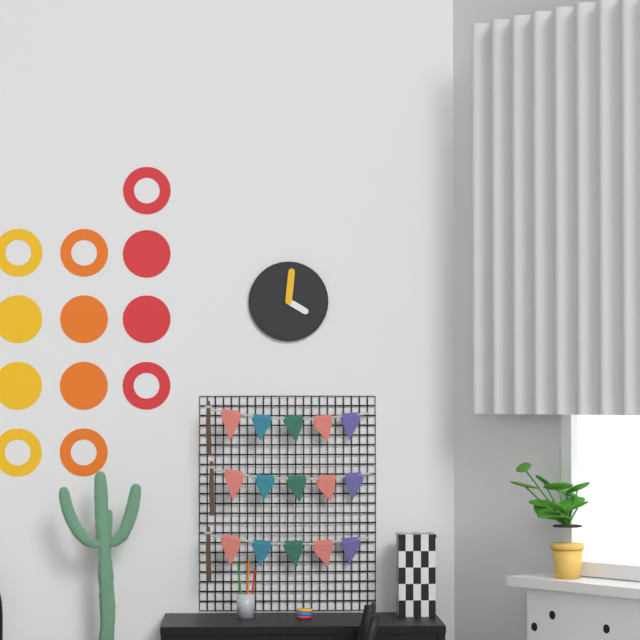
**4:01**
